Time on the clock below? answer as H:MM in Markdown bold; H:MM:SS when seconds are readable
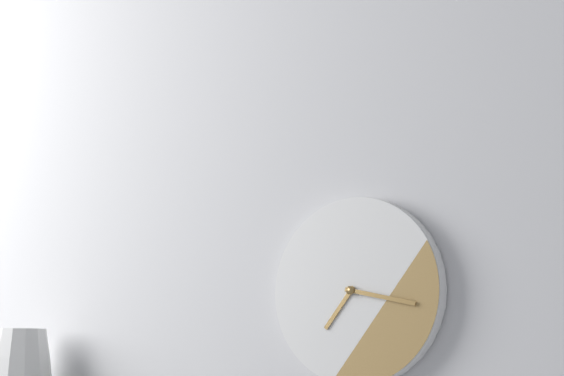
**7:17**
